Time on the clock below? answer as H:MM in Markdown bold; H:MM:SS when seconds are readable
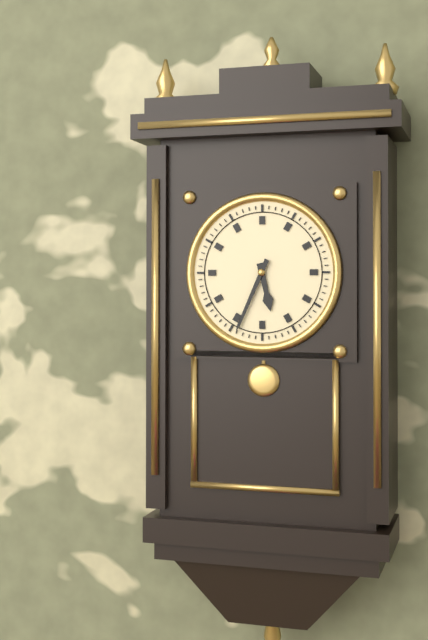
**5:34**
